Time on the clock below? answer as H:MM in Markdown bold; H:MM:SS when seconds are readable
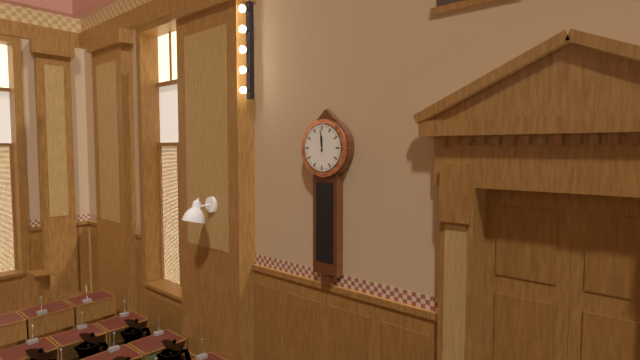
**11:59**
